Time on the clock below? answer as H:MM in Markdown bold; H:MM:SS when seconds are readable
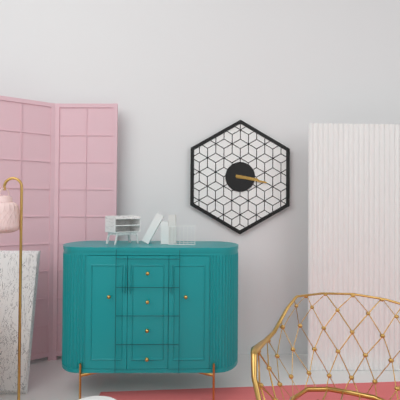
**3:17**
